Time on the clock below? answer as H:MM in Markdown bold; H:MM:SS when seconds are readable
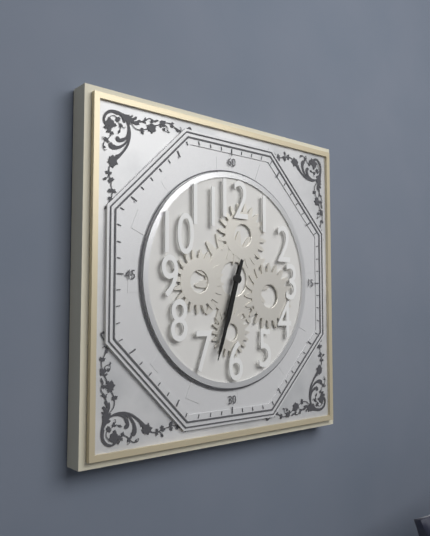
**6:33**
